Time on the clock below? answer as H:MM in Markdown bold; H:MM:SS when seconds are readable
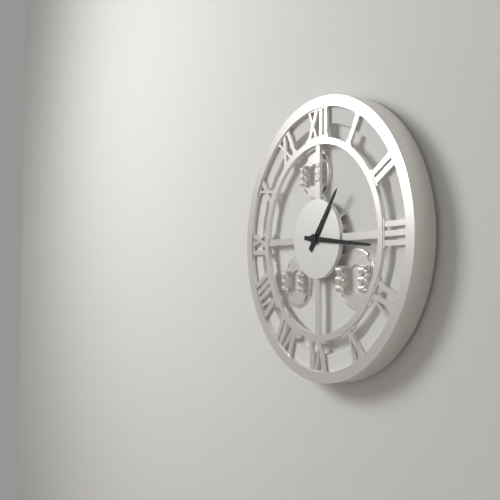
**1:16**
